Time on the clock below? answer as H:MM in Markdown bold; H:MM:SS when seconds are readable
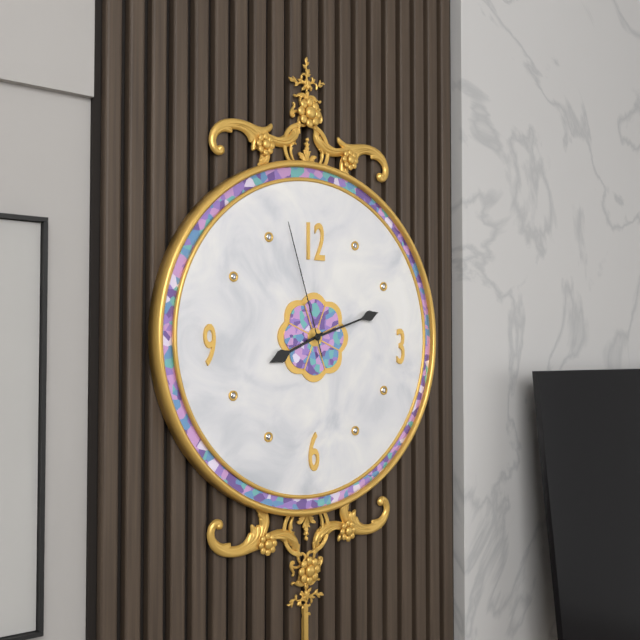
**8:12:57**
